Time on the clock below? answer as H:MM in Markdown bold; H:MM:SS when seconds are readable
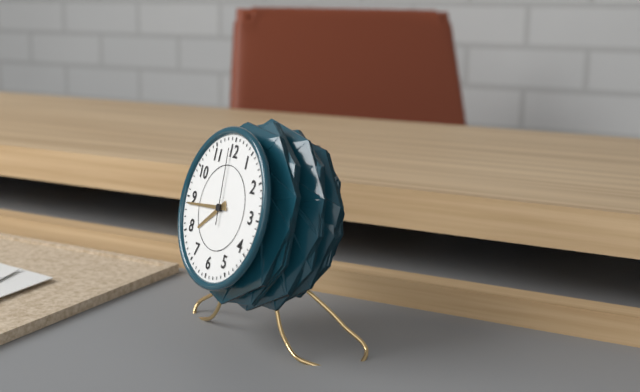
**7:44:59**
